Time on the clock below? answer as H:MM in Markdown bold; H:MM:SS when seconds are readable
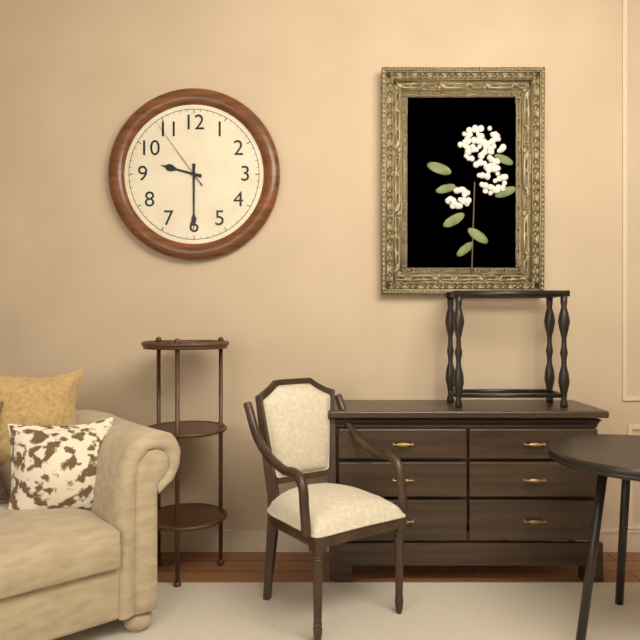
**9:30:54**
